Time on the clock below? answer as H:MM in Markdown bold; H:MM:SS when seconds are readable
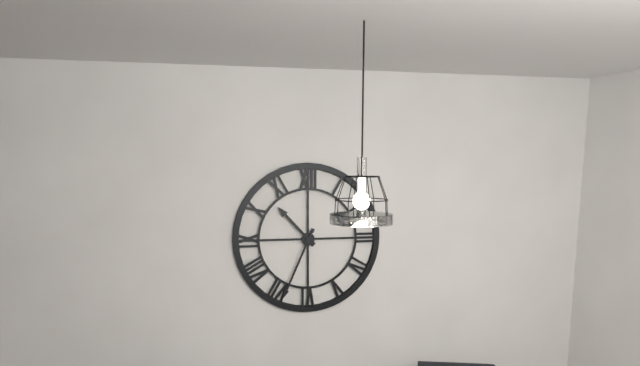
**10:34**
